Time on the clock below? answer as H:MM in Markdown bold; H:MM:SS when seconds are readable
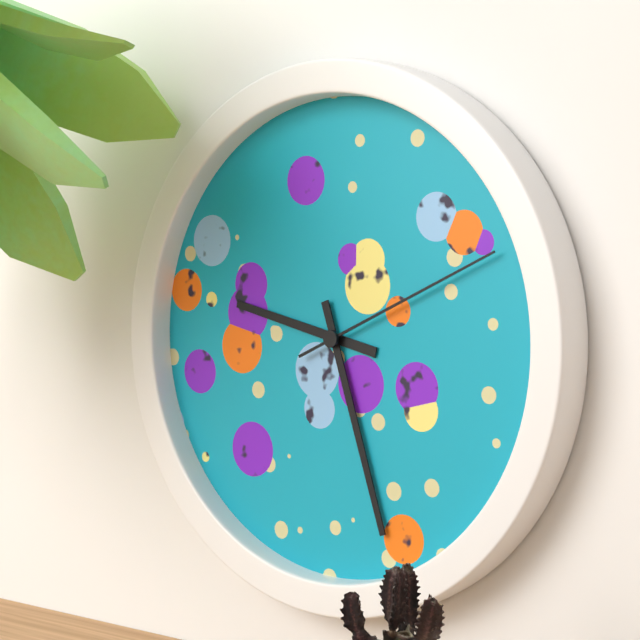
**9:27:11**
